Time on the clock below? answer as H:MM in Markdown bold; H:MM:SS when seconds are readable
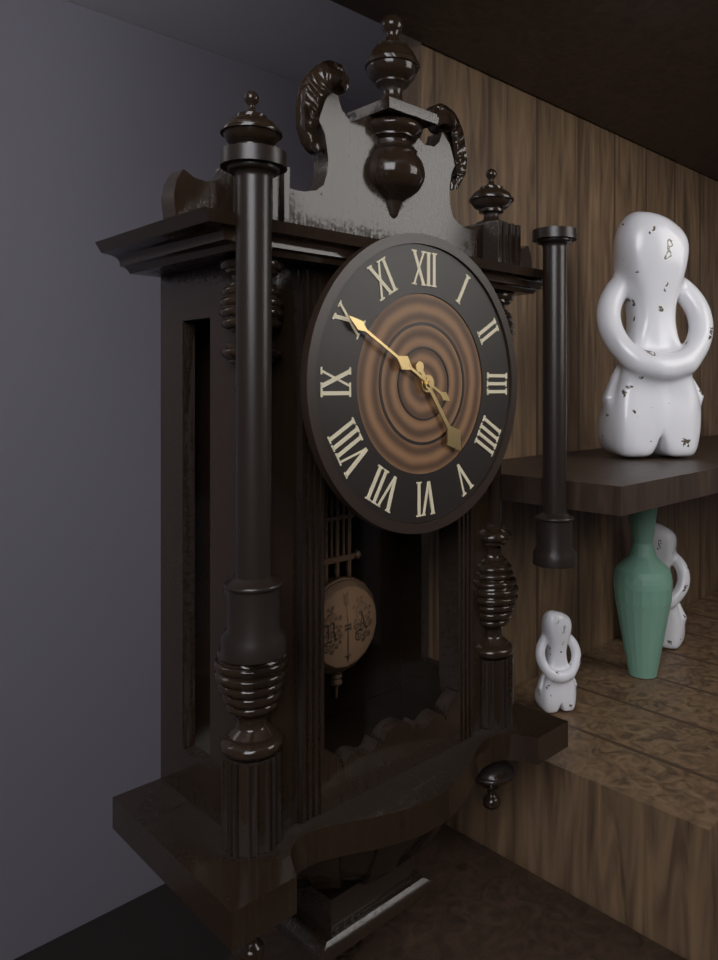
**4:50**
